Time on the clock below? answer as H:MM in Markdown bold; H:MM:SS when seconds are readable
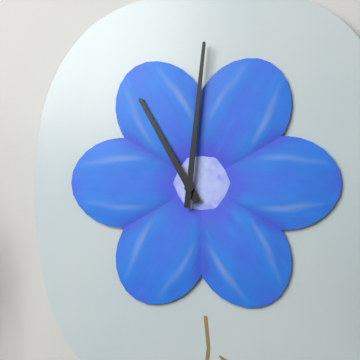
**11:01**
